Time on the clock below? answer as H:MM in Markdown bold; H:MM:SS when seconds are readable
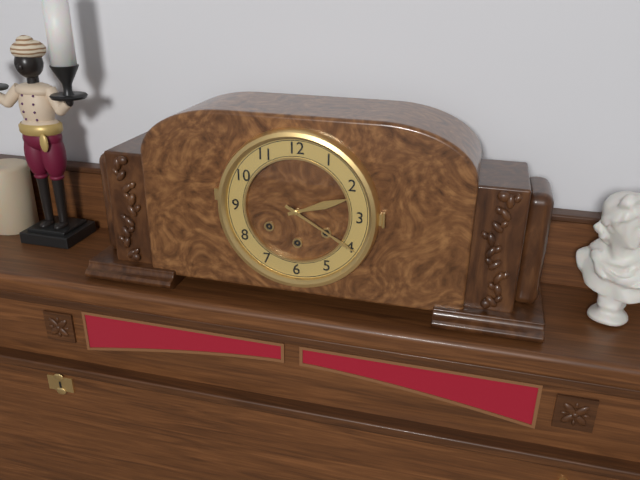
**2:20**
